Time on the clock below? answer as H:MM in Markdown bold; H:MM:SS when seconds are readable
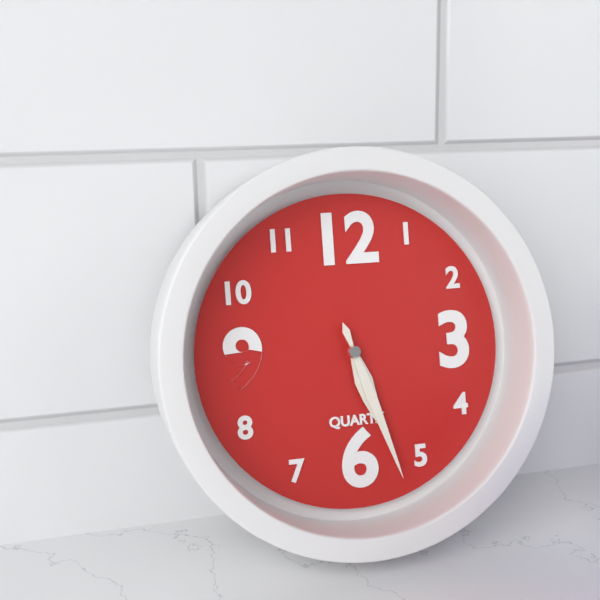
**5:27**
